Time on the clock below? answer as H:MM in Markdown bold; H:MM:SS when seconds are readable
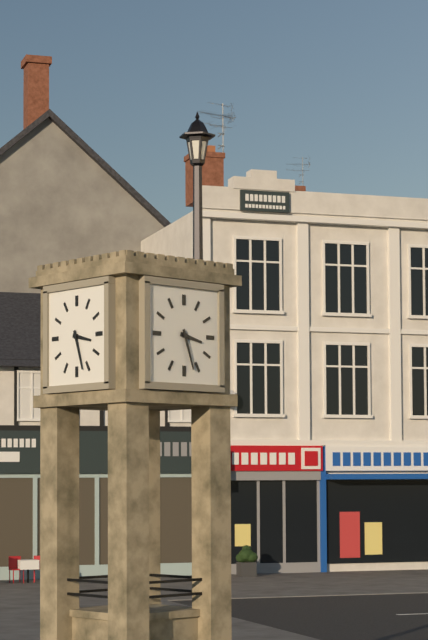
**3:27**
